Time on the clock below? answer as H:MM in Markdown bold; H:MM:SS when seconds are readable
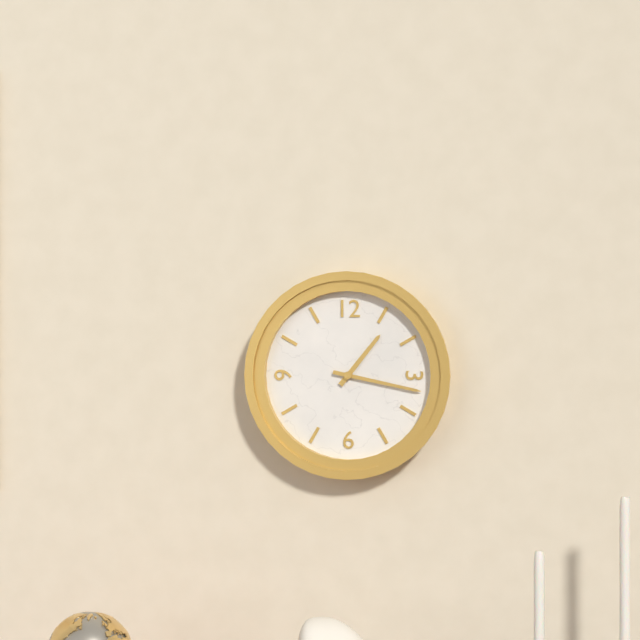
**1:17**
